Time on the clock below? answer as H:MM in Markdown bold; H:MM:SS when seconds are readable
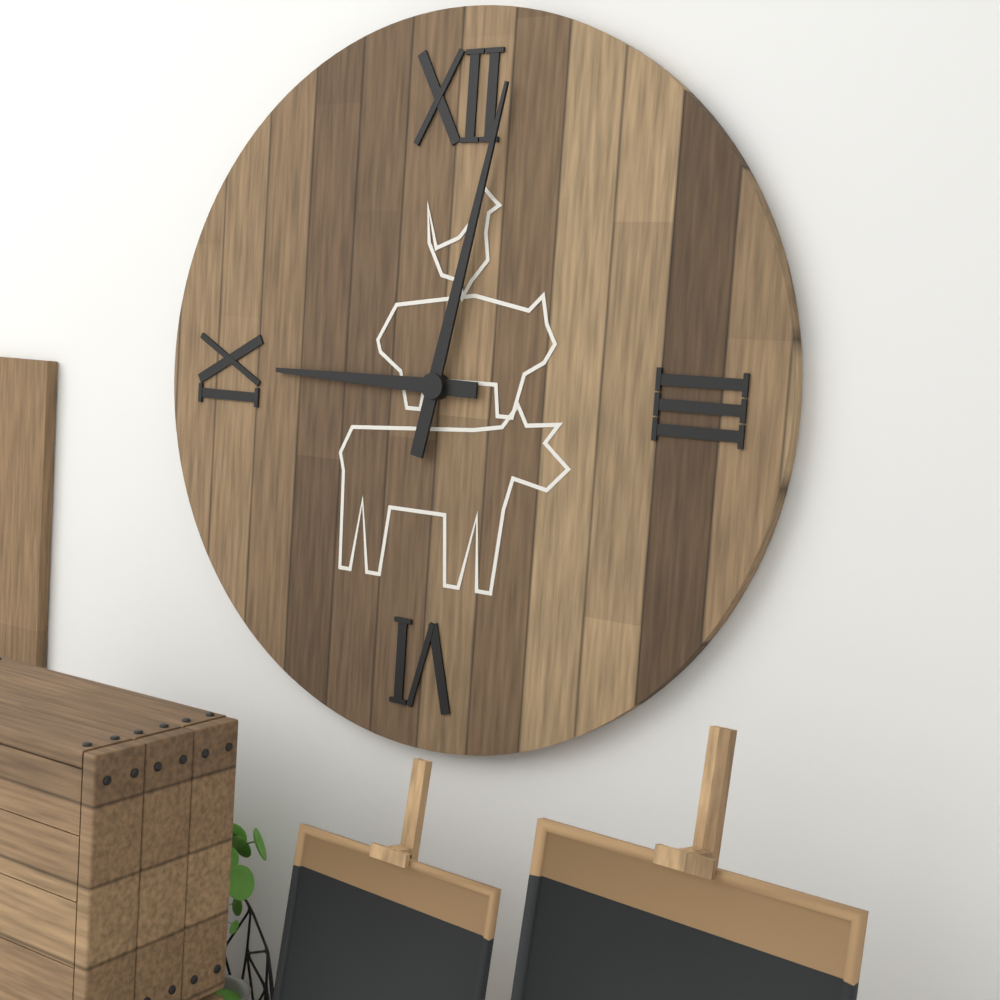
**9:02**
